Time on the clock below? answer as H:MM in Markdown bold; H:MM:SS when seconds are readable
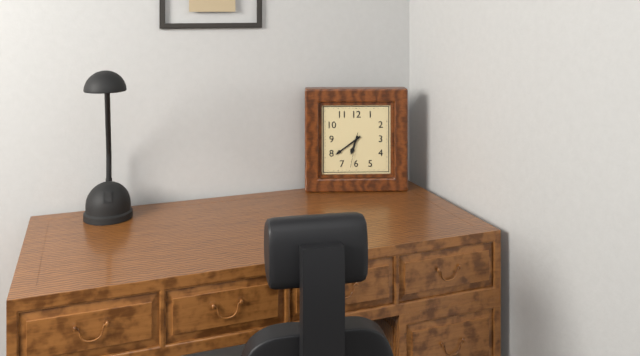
**6:39**
